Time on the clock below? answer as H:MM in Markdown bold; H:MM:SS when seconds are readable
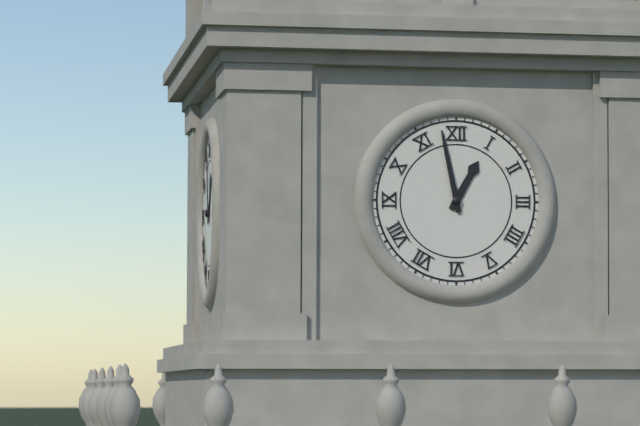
**12:58**
